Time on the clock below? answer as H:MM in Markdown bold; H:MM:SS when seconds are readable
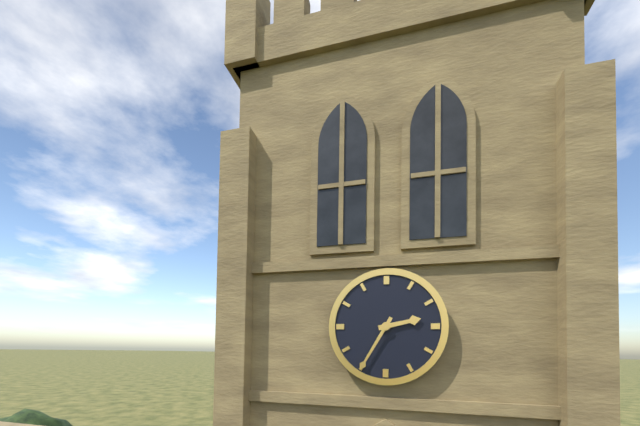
**2:35**
